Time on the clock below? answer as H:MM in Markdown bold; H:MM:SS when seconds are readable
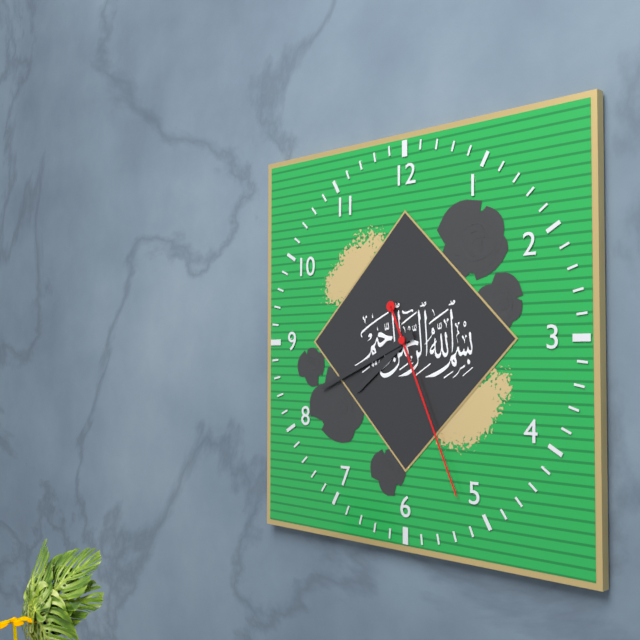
**7:41:26**
